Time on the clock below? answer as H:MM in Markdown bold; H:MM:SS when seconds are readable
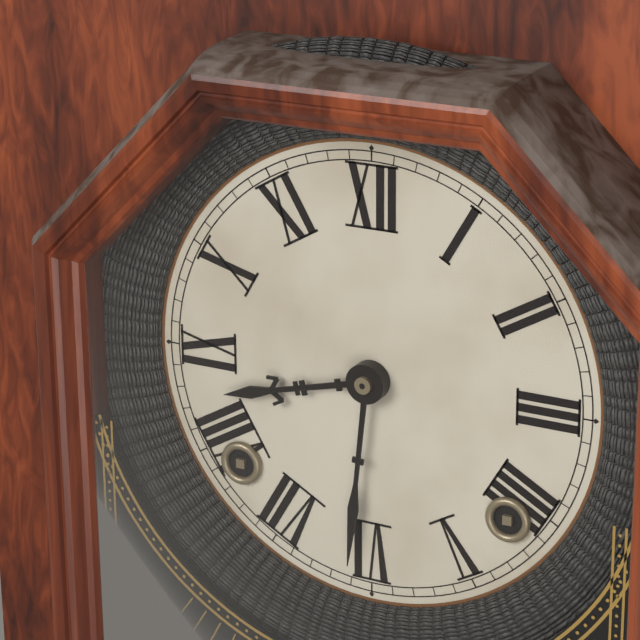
**8:31**
